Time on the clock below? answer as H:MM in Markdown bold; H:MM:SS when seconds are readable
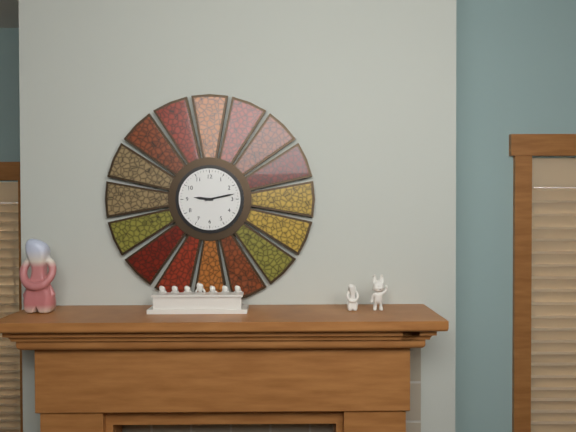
**9:13**
